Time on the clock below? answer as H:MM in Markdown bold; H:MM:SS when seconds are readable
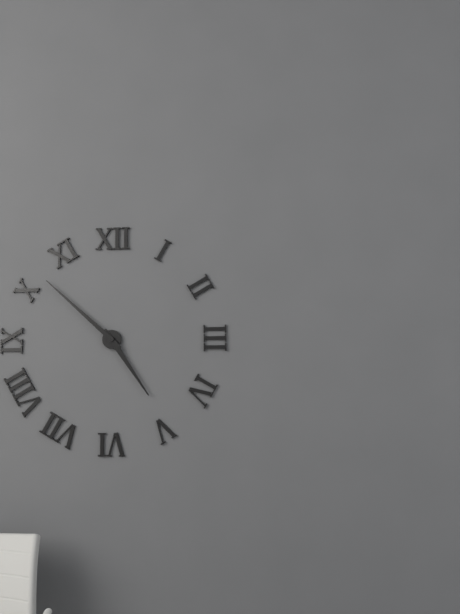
**4:52**
